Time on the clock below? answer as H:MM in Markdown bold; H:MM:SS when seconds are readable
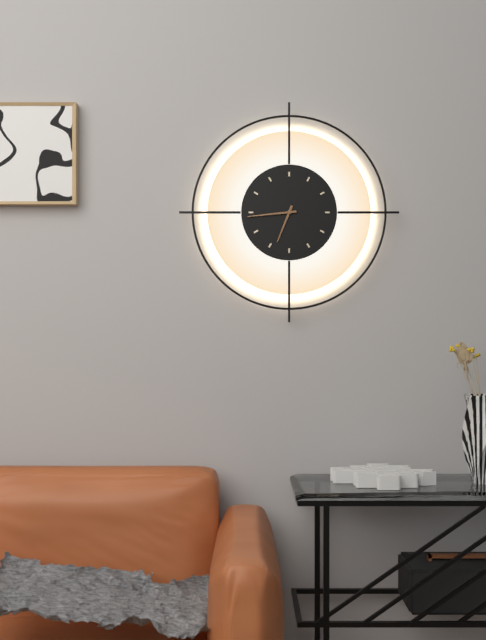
**6:44**
